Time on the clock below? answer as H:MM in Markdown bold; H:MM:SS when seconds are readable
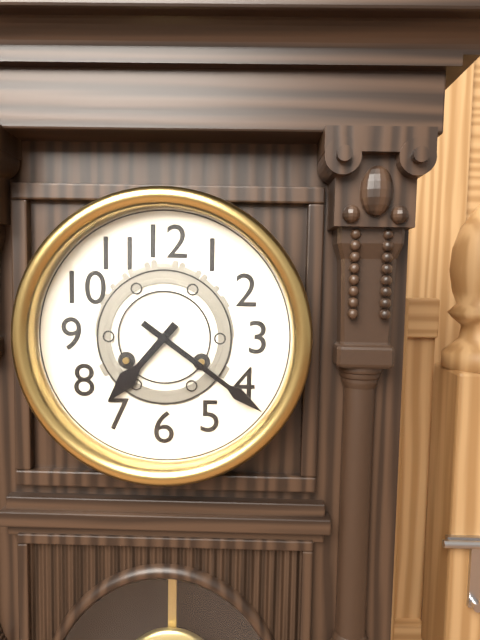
**7:21**
